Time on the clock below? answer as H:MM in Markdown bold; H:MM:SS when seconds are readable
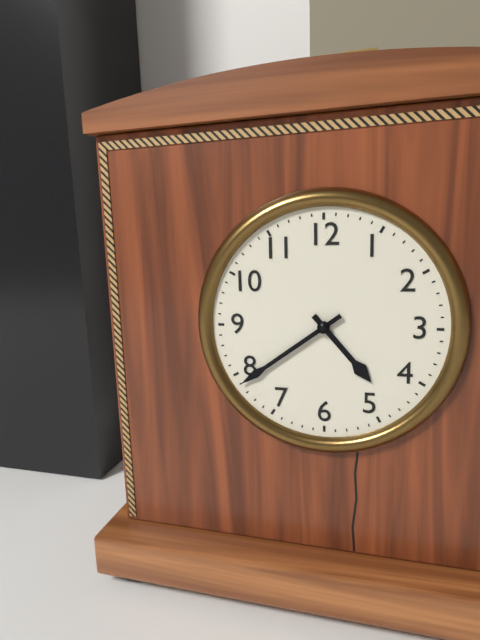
**4:39**
